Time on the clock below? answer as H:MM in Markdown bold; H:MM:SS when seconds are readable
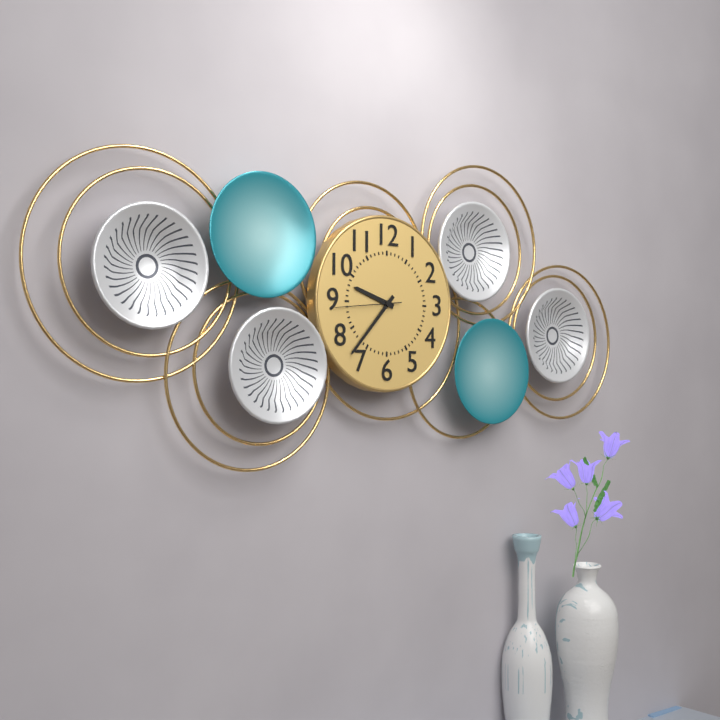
**9:37:44**
